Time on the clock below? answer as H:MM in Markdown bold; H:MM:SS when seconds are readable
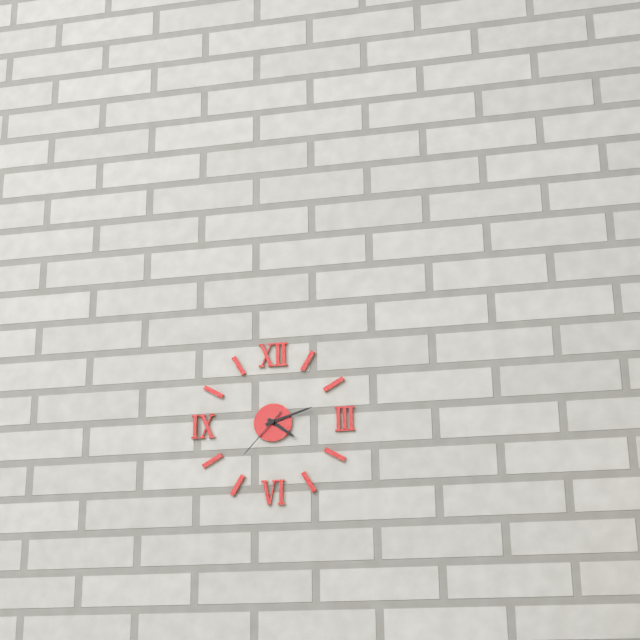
**4:12:37**
